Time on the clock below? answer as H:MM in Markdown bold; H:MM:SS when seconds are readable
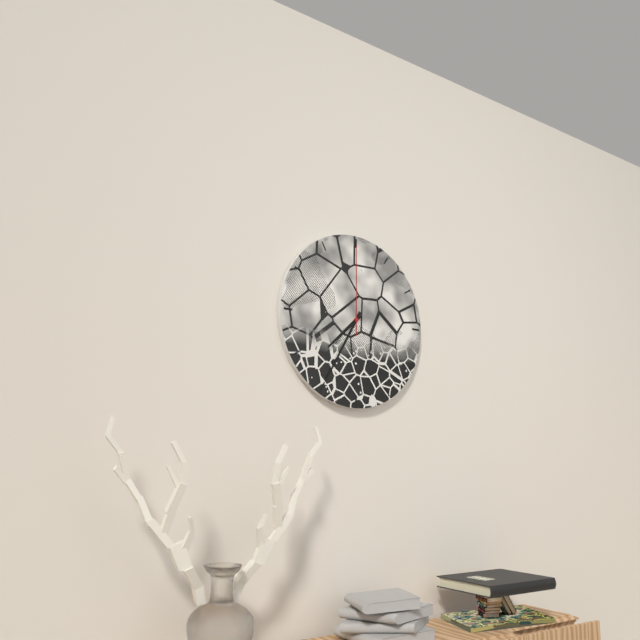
**7:35:00**
